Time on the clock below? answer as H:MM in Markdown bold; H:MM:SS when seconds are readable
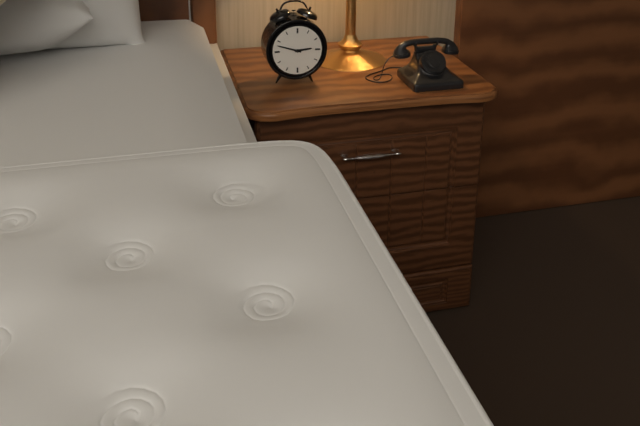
**2:48**
